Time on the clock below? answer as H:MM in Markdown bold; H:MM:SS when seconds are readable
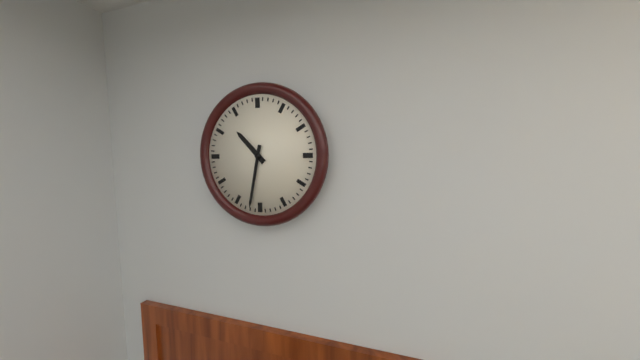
**10:32**
